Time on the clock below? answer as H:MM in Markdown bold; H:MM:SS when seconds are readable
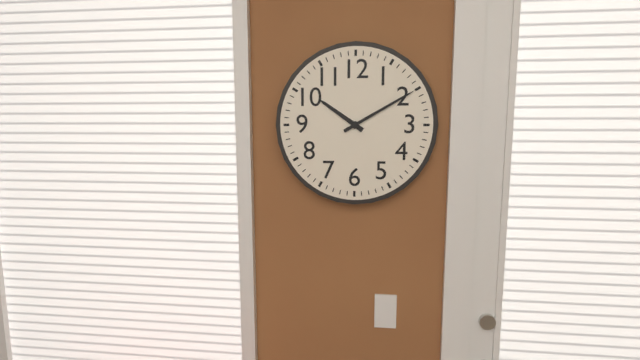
**10:10**
